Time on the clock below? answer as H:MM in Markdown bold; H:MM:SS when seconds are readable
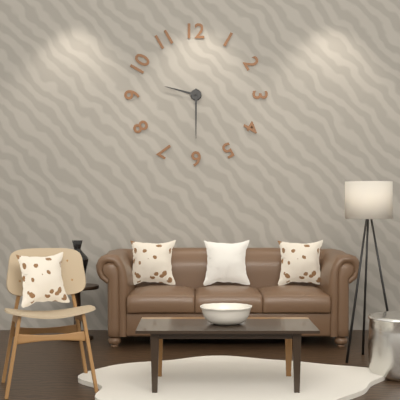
**9:30**
